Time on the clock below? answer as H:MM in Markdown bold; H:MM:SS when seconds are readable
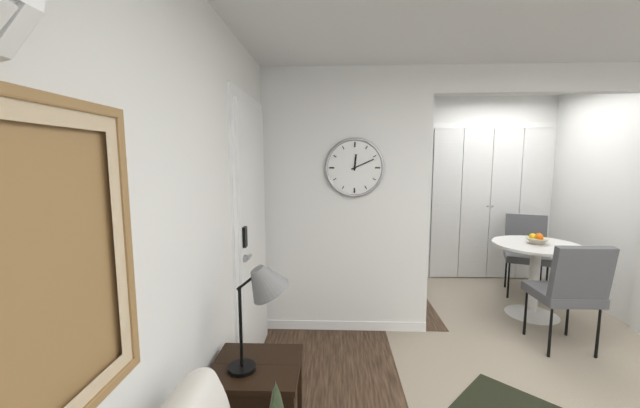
**12:11**
